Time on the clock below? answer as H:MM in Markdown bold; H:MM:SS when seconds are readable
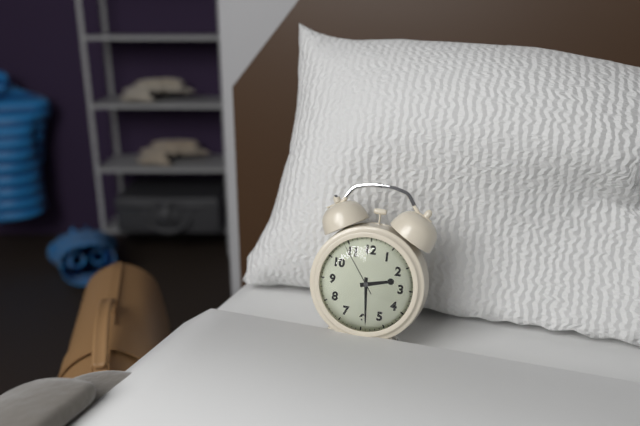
**2:29:54**
